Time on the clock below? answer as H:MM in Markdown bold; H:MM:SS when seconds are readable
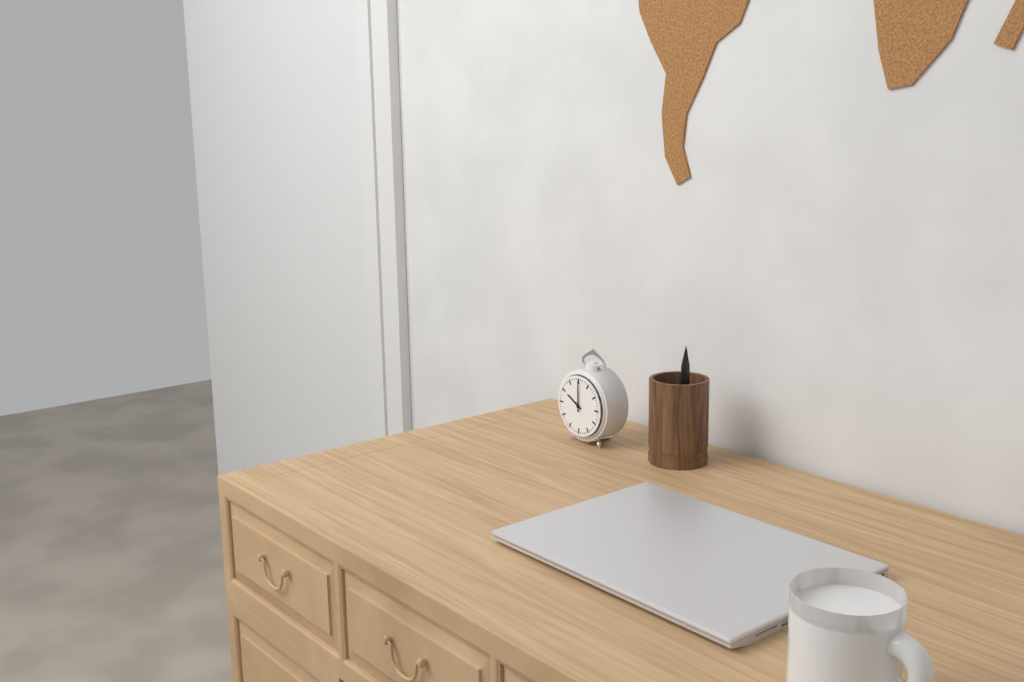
**10:00**
